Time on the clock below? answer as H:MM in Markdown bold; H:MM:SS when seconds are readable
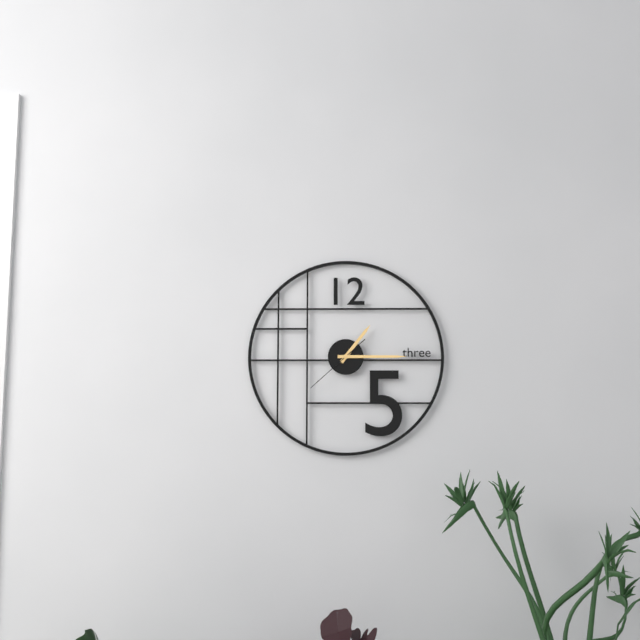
**1:15:38**
